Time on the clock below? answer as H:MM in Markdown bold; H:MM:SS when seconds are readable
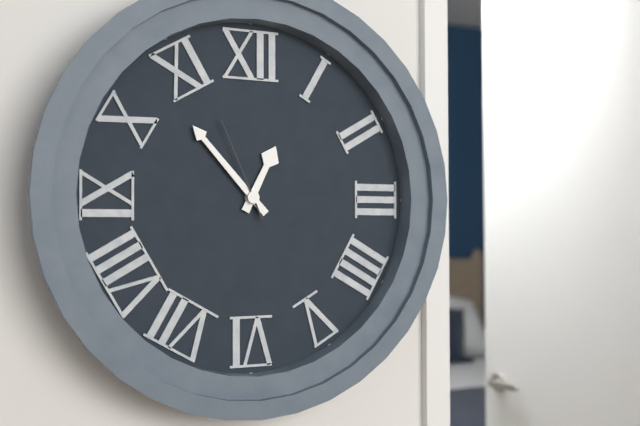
**12:53:56**
